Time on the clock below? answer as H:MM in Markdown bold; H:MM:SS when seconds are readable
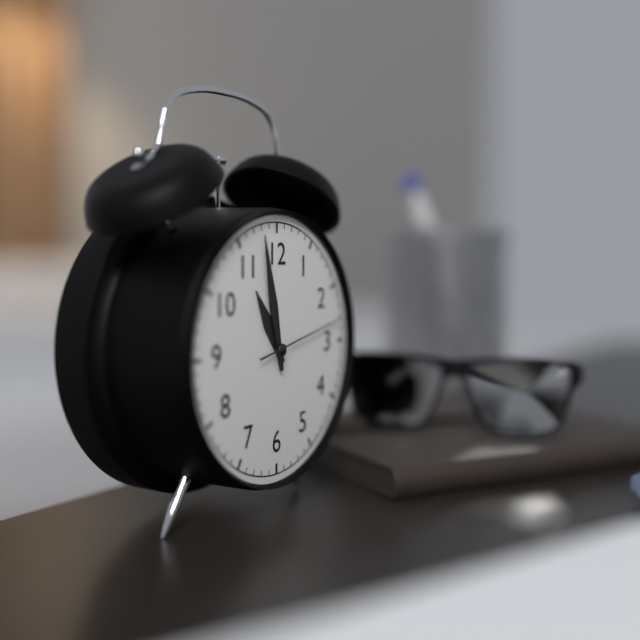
**10:58:13**
